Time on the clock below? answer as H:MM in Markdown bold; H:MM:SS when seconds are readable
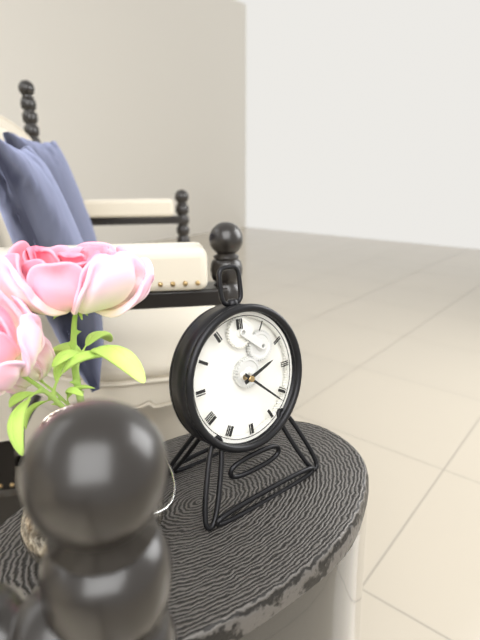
**2:22**
